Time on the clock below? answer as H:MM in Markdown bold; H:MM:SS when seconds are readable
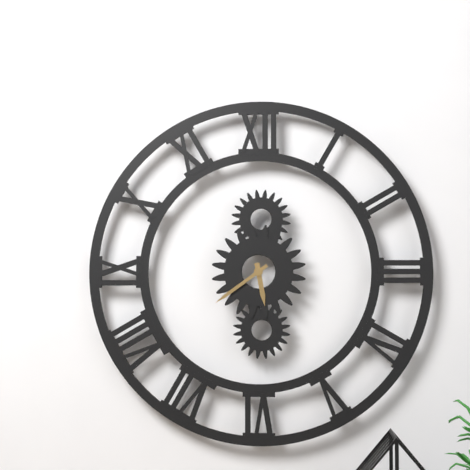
**5:39**
